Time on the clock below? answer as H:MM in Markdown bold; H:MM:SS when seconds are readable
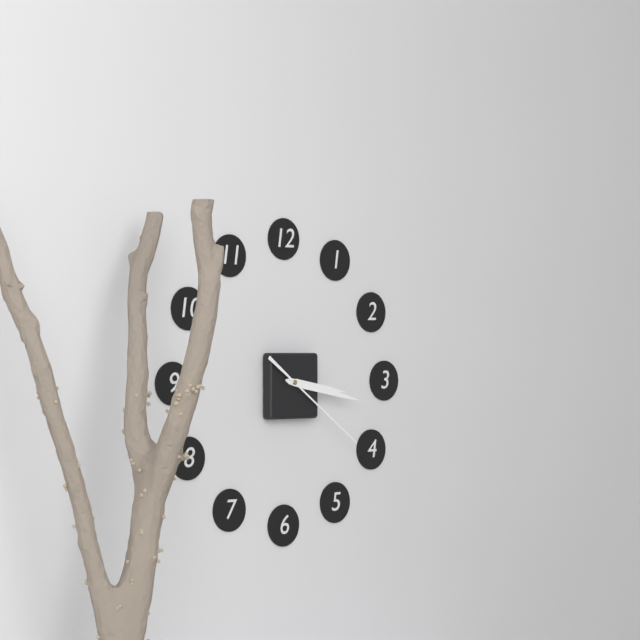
**3:17:21**
